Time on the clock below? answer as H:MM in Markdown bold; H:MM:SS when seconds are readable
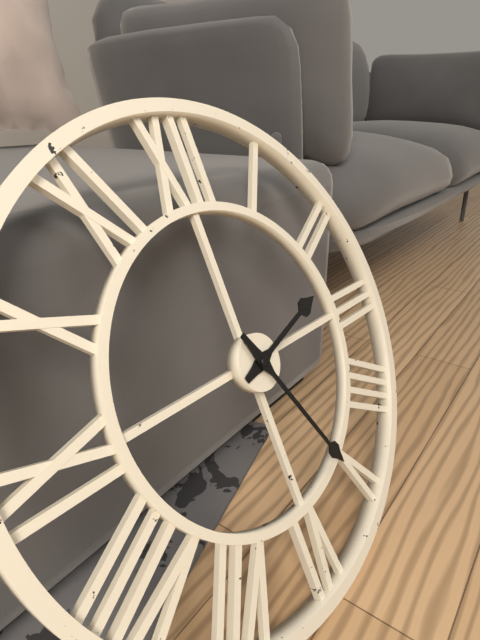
**2:26**
